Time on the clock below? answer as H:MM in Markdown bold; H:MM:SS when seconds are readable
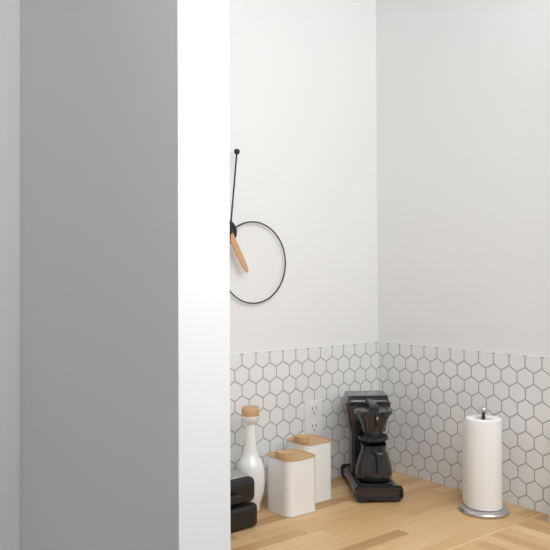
**5:01**
